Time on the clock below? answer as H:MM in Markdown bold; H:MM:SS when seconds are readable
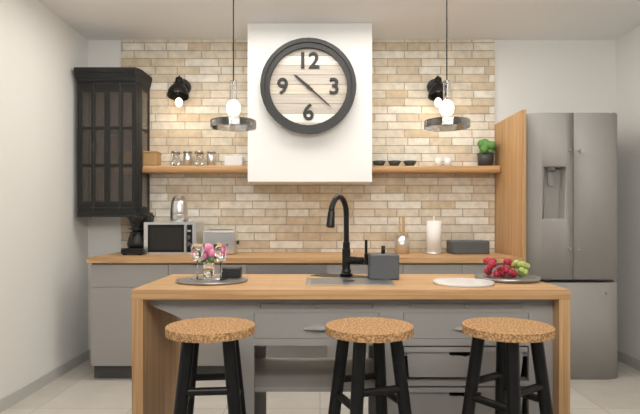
**10:22**
